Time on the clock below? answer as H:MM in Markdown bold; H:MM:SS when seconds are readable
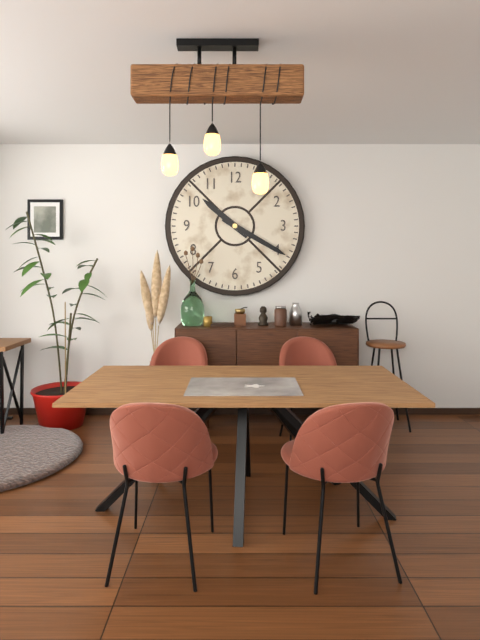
**10:20**
